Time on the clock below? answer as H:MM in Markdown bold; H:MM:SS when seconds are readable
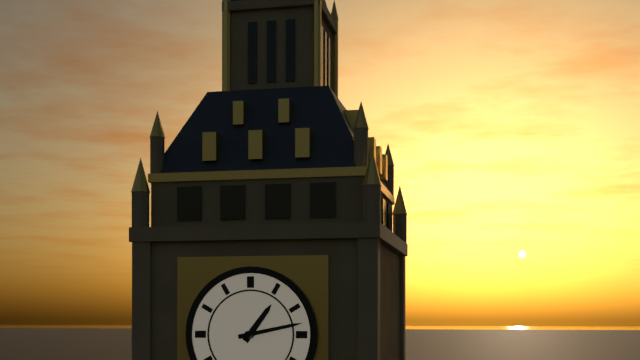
**1:13**
